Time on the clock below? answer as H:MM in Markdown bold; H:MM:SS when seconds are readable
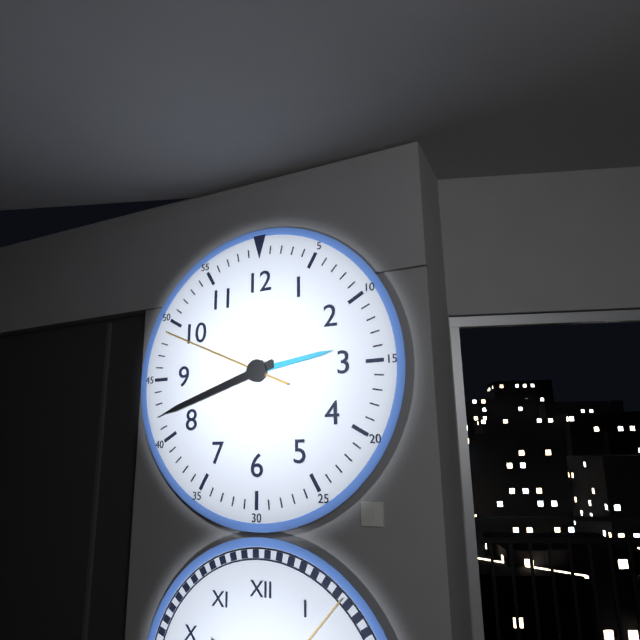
**2:42:49**
